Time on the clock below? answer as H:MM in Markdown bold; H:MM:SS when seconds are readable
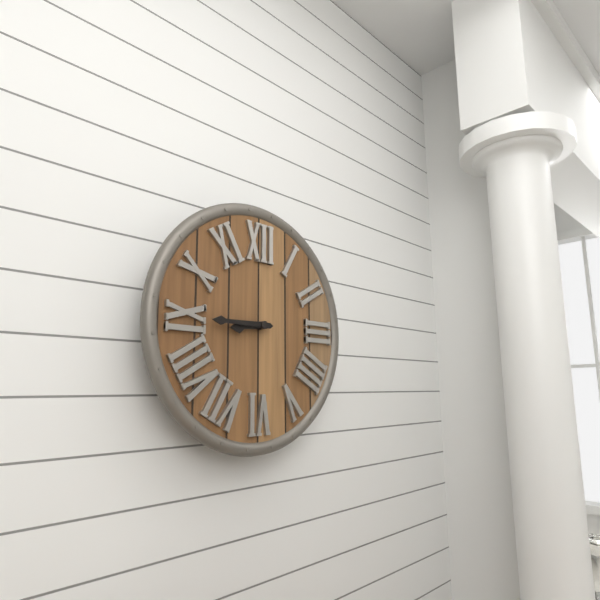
**8:45**
